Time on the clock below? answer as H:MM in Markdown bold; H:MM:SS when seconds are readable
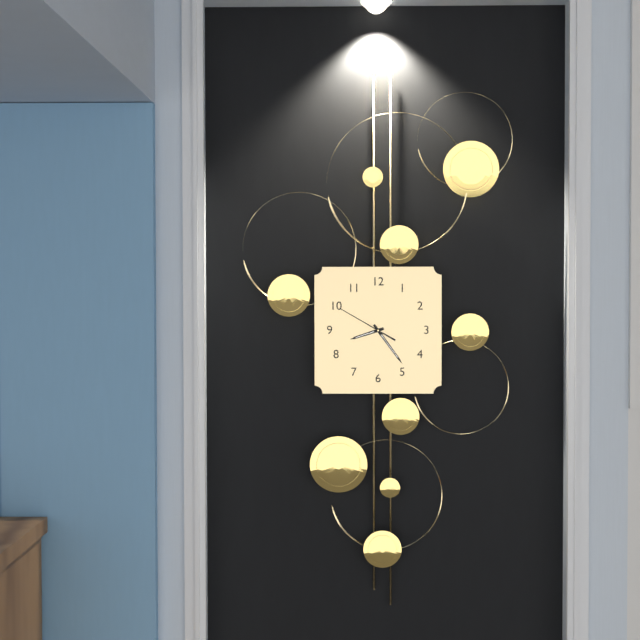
**8:24:50**
